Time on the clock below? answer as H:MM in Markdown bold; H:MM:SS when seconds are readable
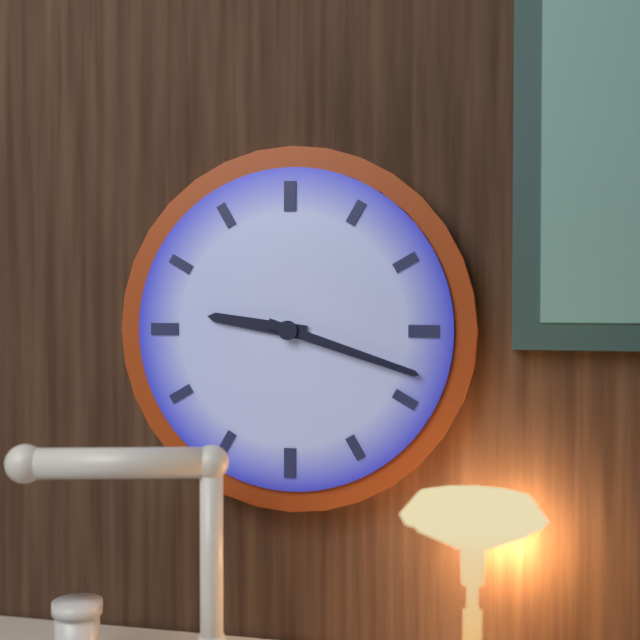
**9:18**
